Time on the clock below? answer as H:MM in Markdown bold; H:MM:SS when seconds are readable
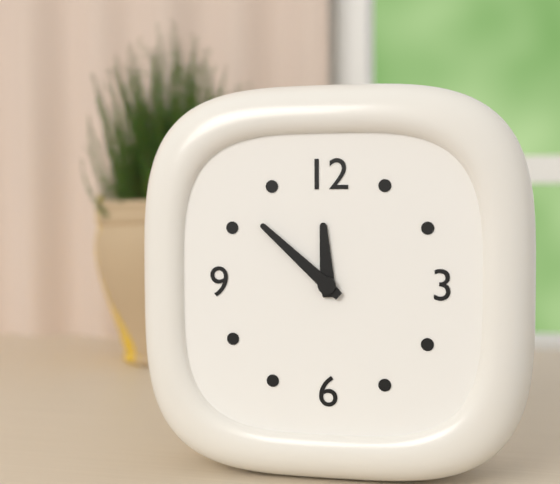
**11:52**
